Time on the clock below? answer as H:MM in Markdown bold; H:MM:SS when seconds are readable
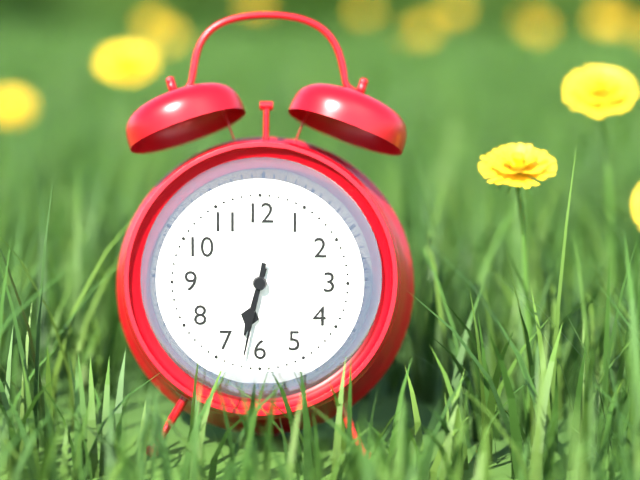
**6:32**
